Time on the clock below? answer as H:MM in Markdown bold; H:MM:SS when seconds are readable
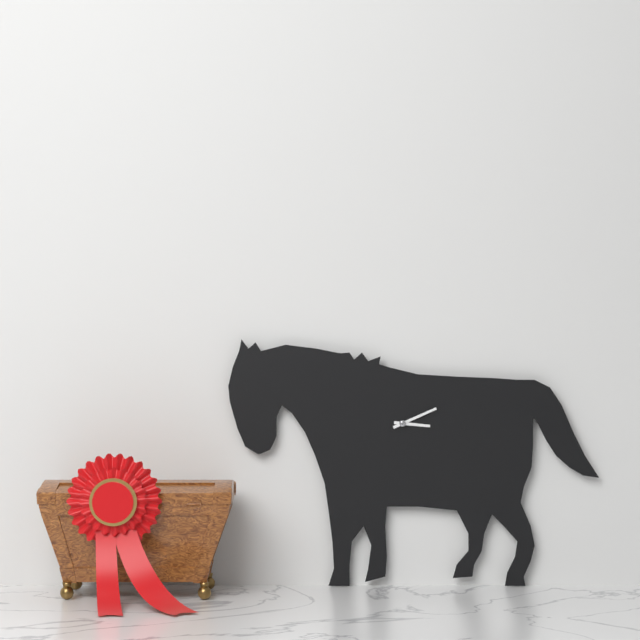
**3:11**
